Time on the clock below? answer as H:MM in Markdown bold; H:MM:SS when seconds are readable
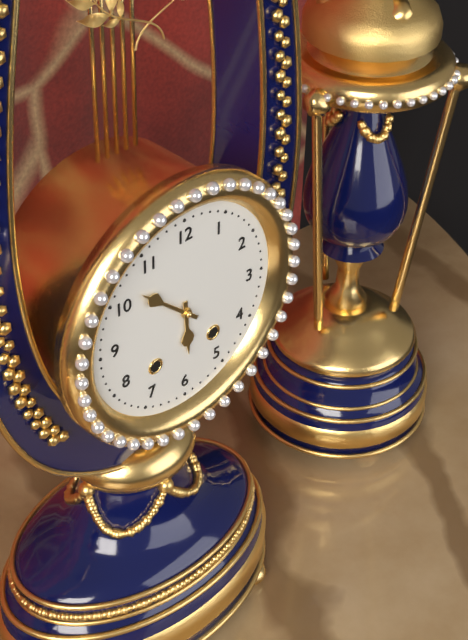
**5:52**
